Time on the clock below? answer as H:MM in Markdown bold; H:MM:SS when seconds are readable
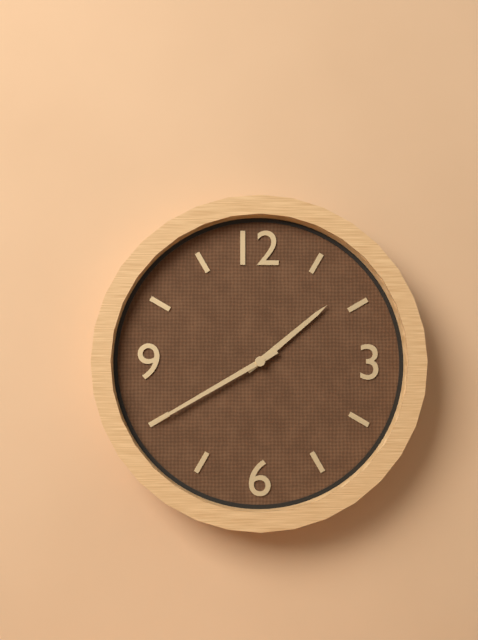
**1:40**
